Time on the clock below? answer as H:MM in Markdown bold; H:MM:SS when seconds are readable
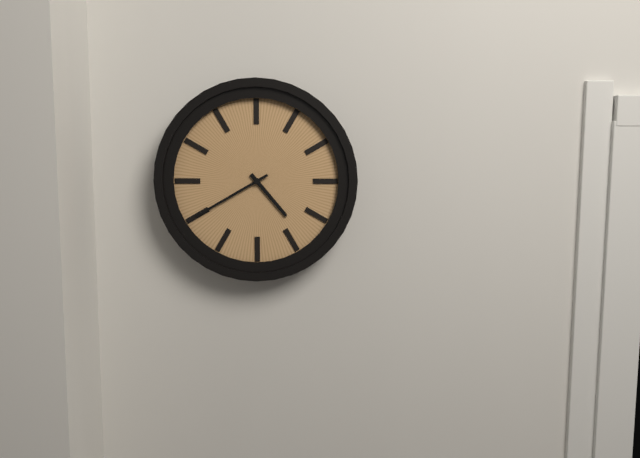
**4:40**
